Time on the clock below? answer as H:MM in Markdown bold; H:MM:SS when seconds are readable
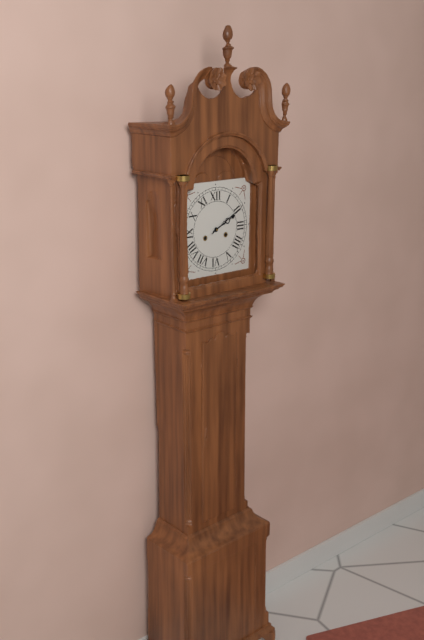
**2:10**
